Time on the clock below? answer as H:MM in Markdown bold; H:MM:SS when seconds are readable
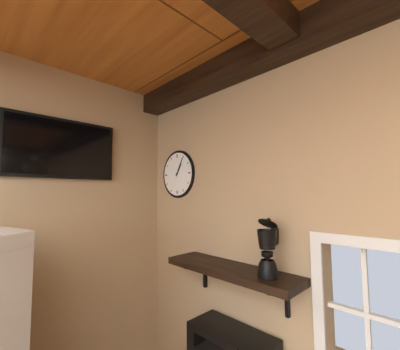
**1:05**
